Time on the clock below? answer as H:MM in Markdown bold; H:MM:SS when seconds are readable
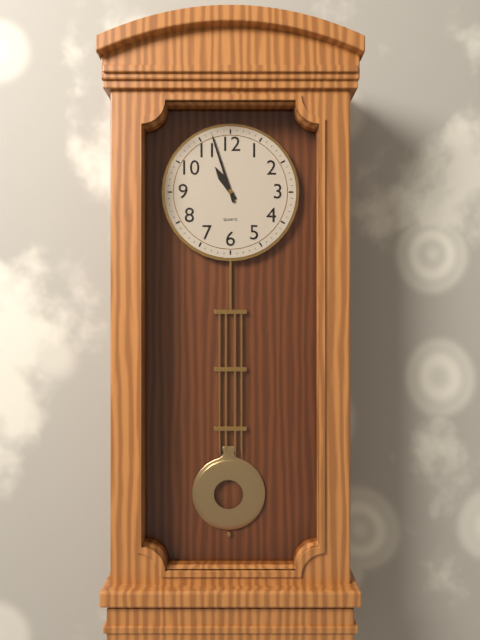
**10:57**
